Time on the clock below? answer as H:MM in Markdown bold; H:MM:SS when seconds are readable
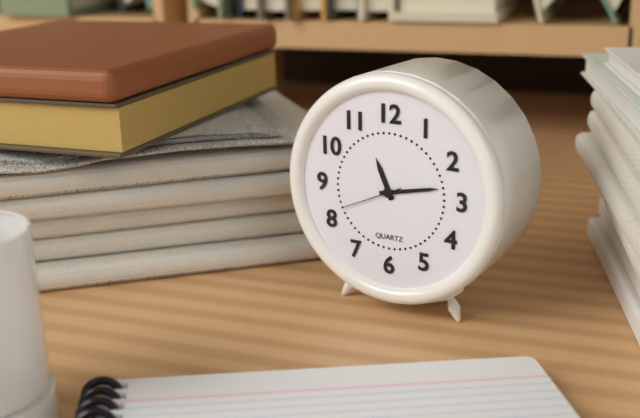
**11:13:41**
